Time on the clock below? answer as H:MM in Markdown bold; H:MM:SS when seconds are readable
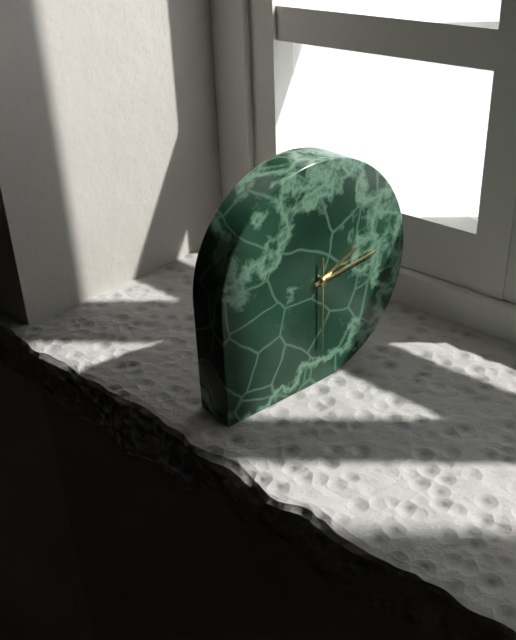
**2:14:30**
